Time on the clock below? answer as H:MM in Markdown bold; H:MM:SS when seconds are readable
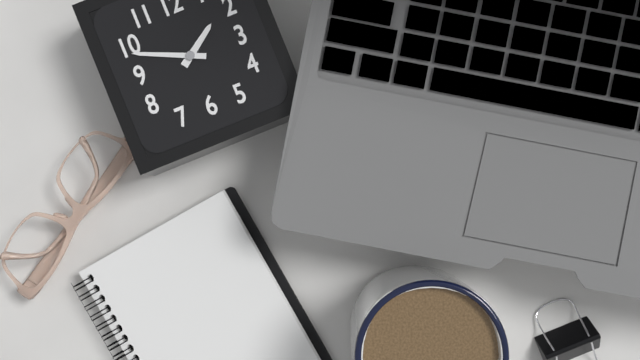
**1:49**
